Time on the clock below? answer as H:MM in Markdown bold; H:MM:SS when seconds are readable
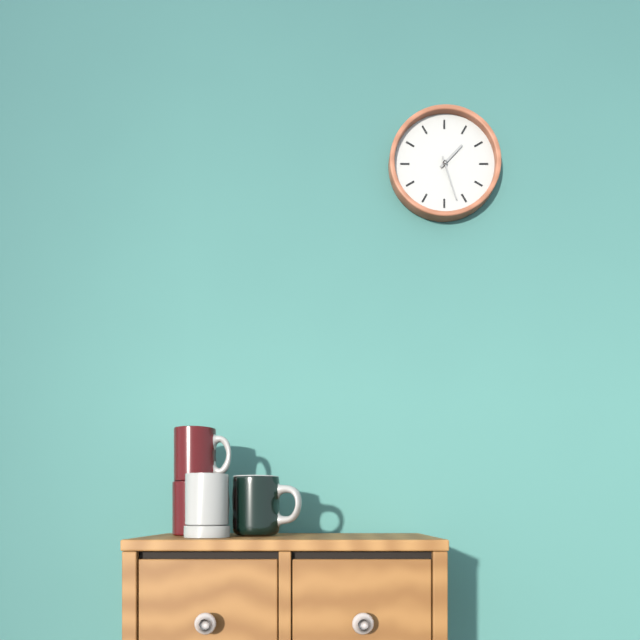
**1:27**
